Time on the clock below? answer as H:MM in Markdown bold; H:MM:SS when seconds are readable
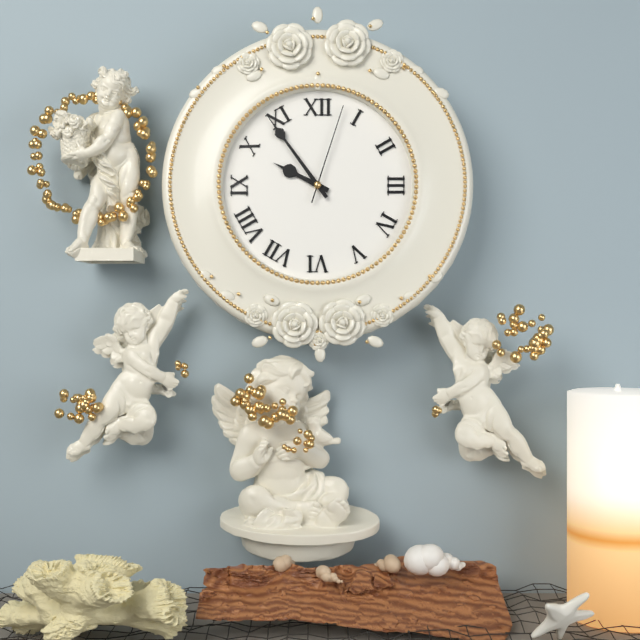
**9:54:03**
